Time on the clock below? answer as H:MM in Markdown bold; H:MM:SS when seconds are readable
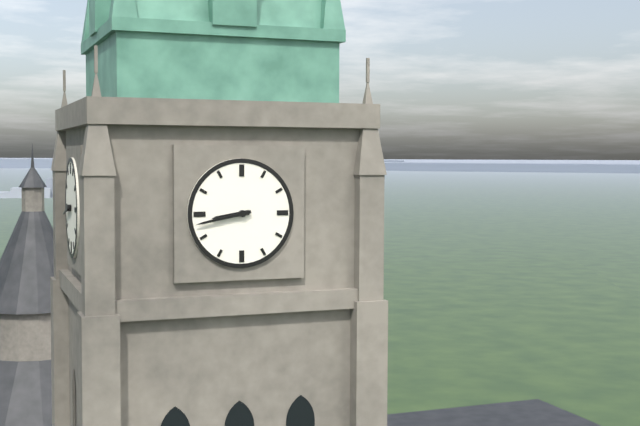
**8:43**
